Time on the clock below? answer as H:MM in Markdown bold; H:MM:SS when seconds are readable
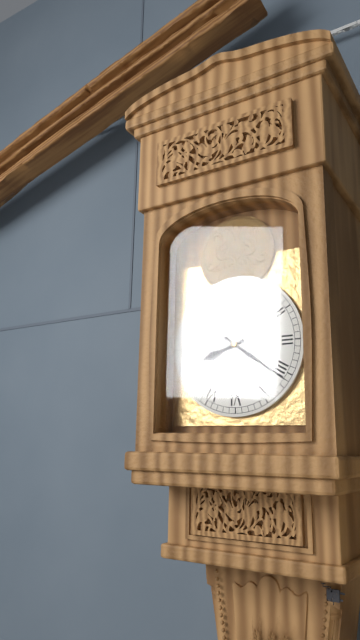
**8:21**
